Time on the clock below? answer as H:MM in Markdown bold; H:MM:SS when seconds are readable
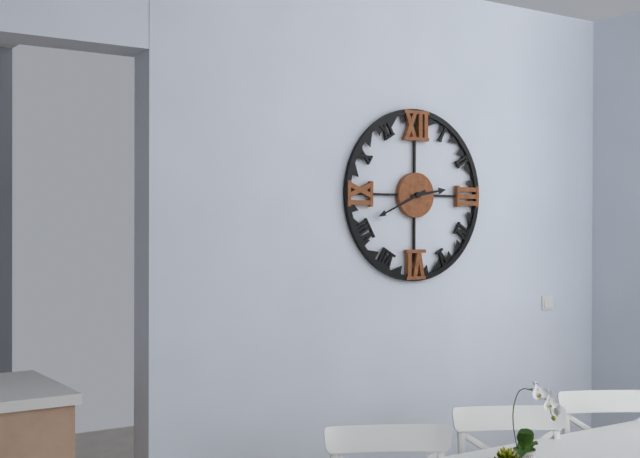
**2:41**
